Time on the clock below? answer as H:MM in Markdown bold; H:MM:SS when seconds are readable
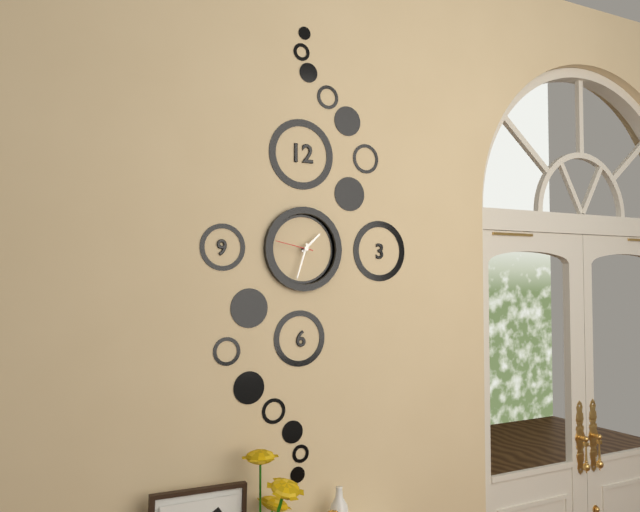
**1:33**
